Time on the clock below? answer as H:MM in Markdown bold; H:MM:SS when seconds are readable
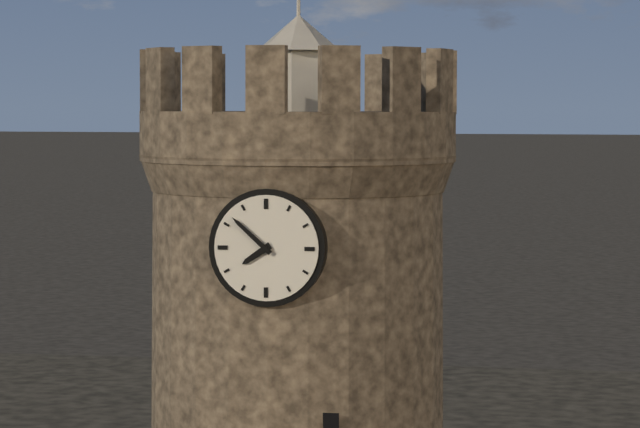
**7:52**
